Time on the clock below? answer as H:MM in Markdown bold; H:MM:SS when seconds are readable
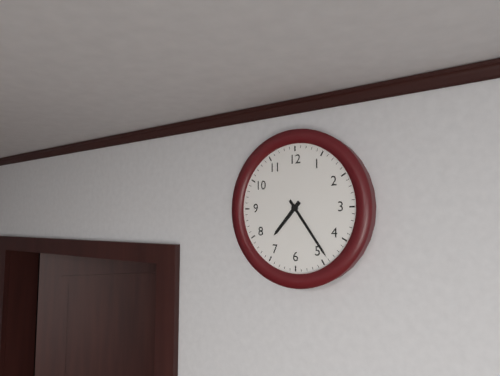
**7:24**
